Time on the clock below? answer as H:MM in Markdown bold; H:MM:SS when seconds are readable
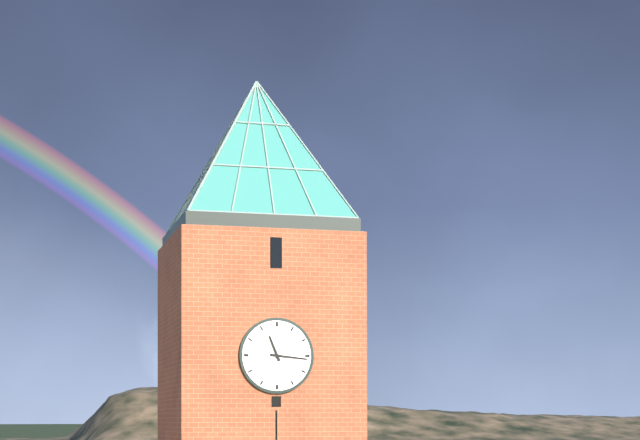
**11:16**
